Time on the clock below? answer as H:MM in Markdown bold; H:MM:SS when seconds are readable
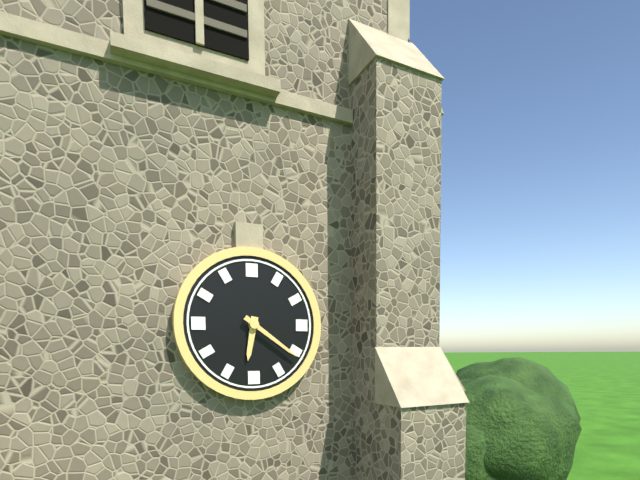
**6:21**
